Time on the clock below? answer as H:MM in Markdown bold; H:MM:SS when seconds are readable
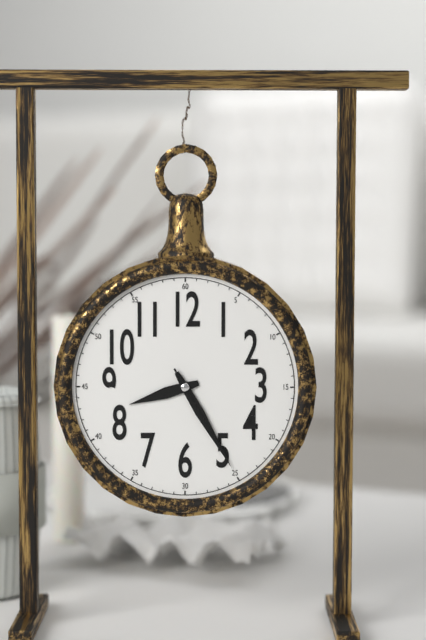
**8:25:25**
